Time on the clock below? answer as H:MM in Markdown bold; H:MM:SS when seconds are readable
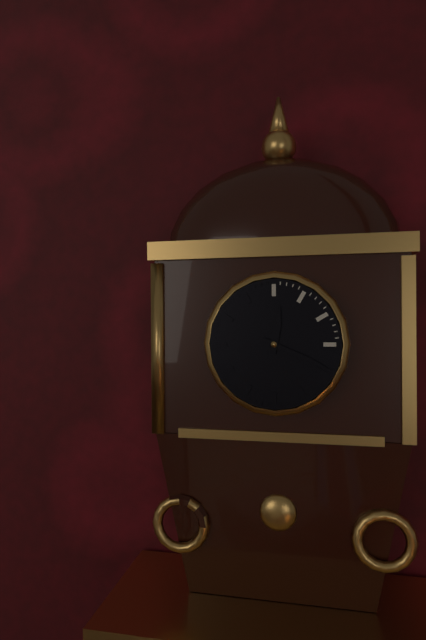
**12:19**
